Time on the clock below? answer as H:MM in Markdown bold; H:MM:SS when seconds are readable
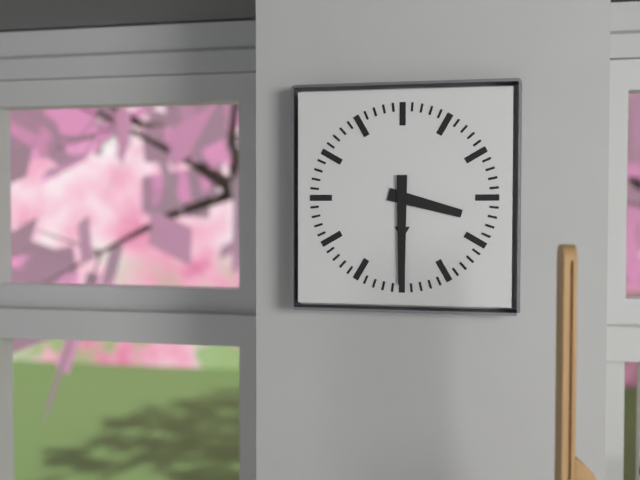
**3:30**
